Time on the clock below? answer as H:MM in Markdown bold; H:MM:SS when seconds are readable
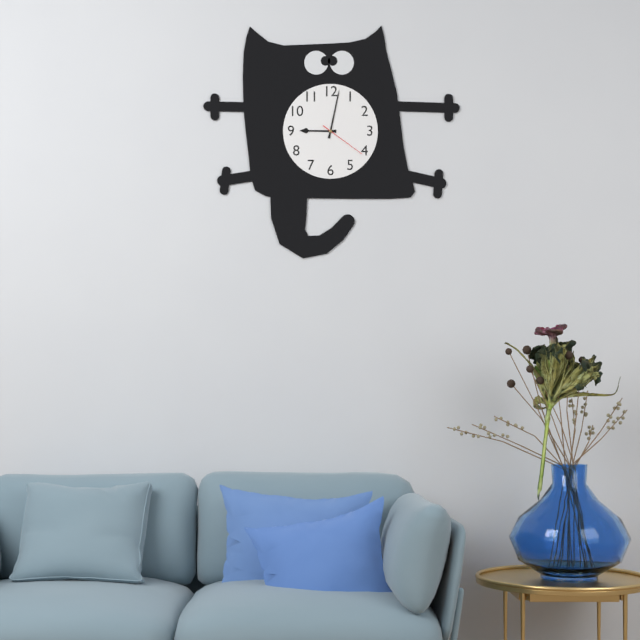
**9:02**
